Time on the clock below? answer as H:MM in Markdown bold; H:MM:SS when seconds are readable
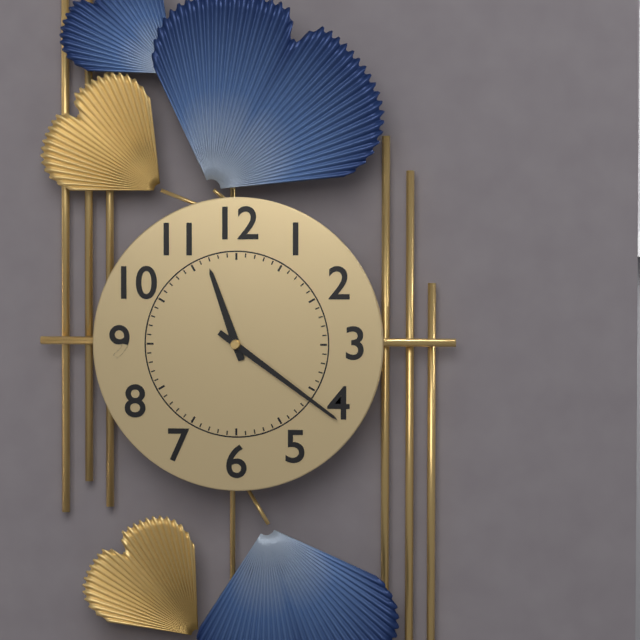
**11:21**
